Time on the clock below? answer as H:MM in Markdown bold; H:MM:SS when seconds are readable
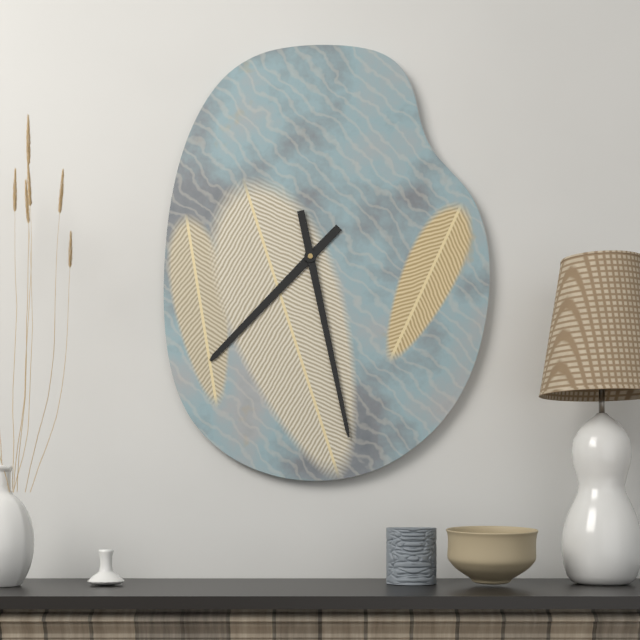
**7:28**
